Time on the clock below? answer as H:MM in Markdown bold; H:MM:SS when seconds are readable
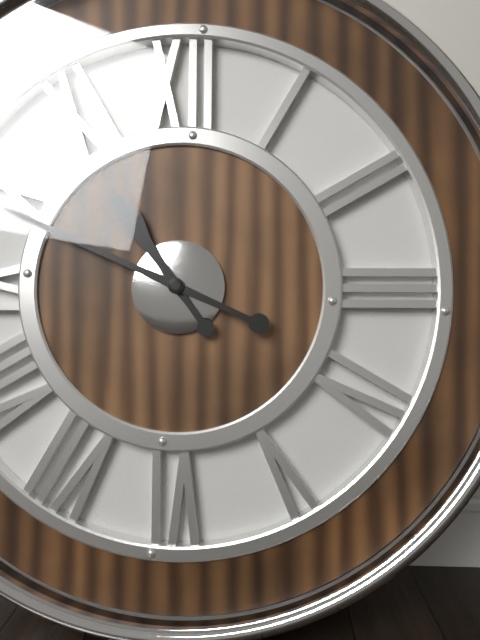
**10:49**
